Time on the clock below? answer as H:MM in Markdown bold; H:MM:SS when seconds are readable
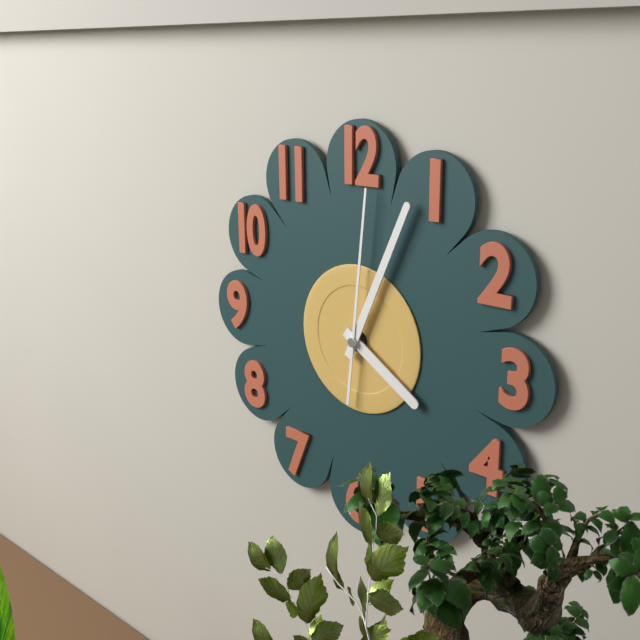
**4:04:01**
